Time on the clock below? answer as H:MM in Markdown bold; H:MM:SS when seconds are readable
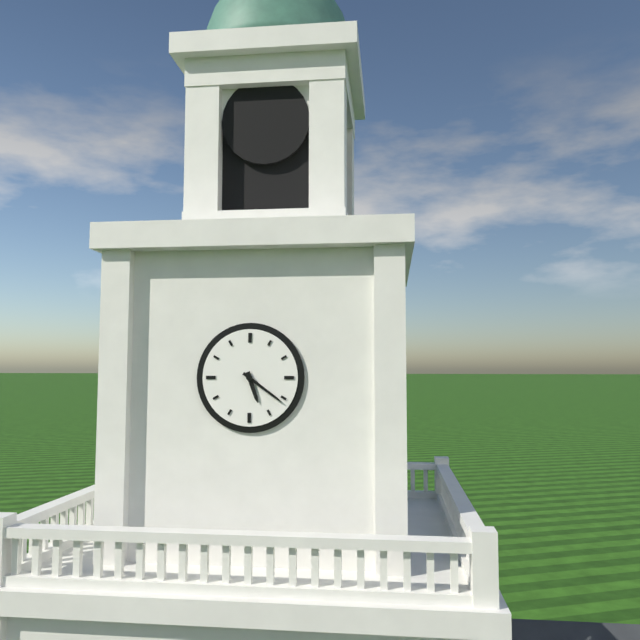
**5:21**
